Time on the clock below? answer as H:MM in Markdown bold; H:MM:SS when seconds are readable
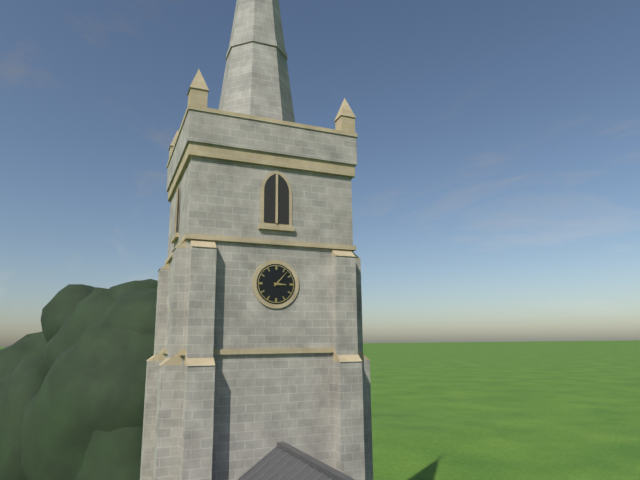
**3:07**
